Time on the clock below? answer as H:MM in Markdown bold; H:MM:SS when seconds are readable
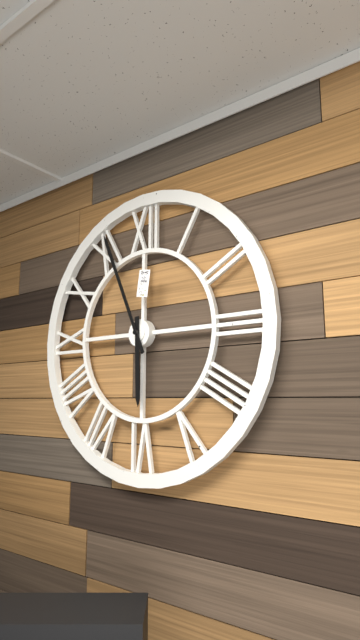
**5:56**
